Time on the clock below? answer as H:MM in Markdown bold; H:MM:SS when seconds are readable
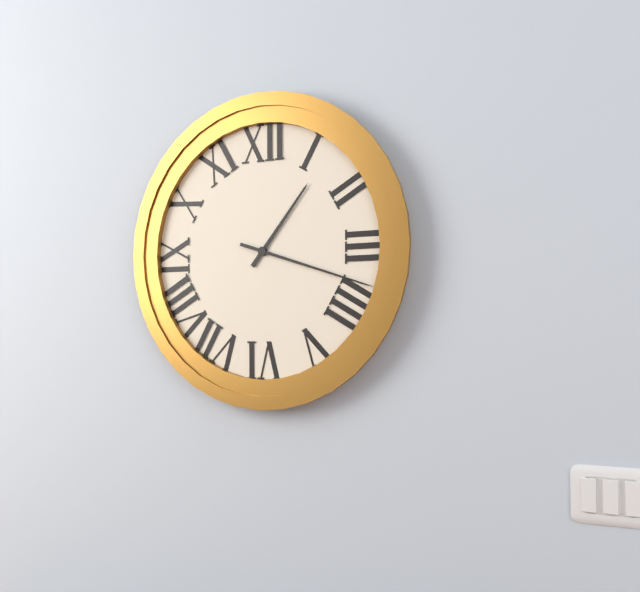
**1:18**
